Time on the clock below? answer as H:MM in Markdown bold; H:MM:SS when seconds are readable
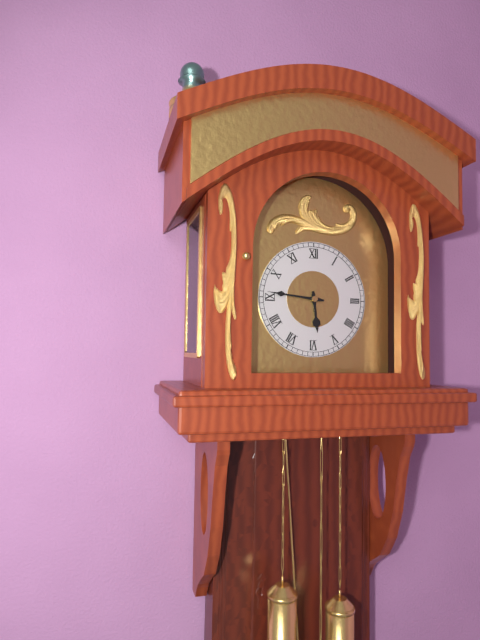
**5:46**
